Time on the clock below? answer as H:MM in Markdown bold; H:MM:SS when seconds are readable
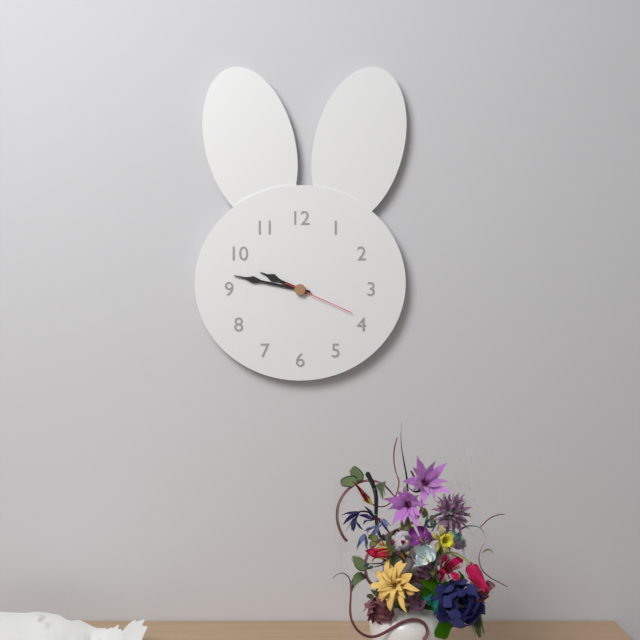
**9:47:19**
